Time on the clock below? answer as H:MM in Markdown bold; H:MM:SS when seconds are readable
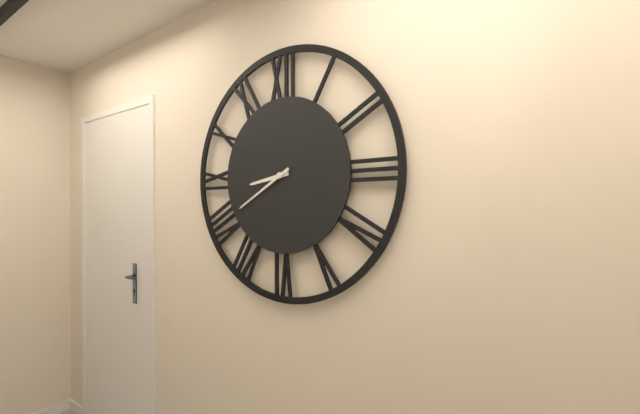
**8:40**
